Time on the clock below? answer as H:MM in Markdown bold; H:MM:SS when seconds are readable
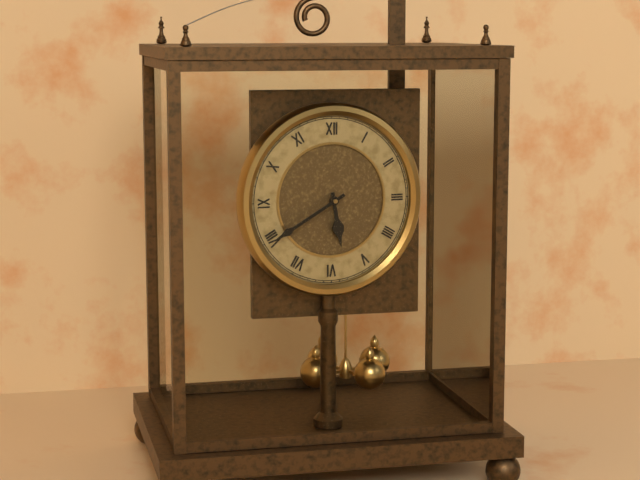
**5:40**
